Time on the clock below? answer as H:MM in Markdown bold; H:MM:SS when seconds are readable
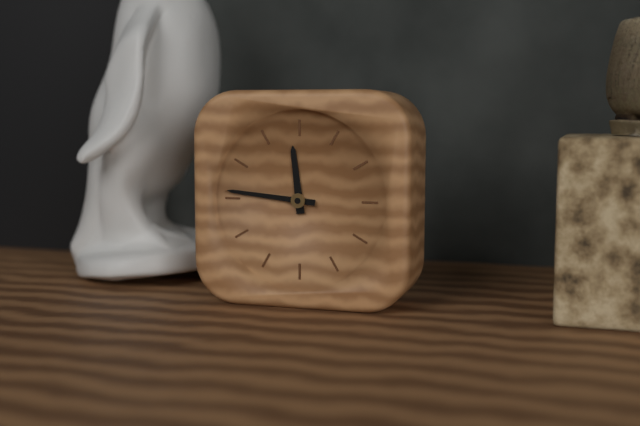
**11:46**
